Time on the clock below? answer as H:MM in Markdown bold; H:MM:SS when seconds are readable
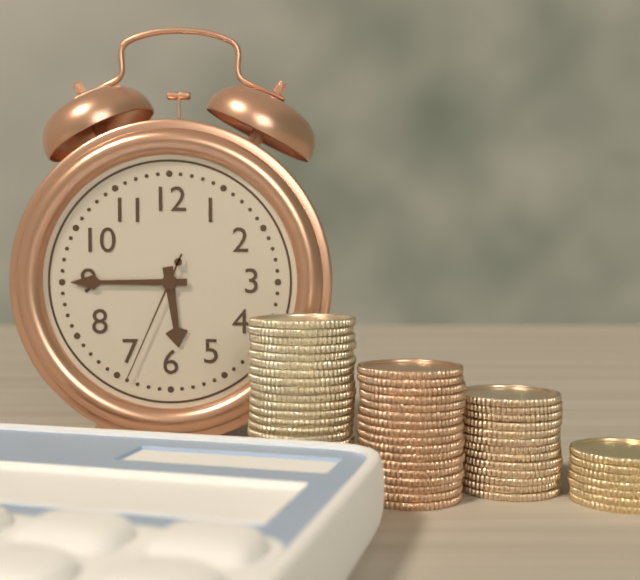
**5:45:34**
